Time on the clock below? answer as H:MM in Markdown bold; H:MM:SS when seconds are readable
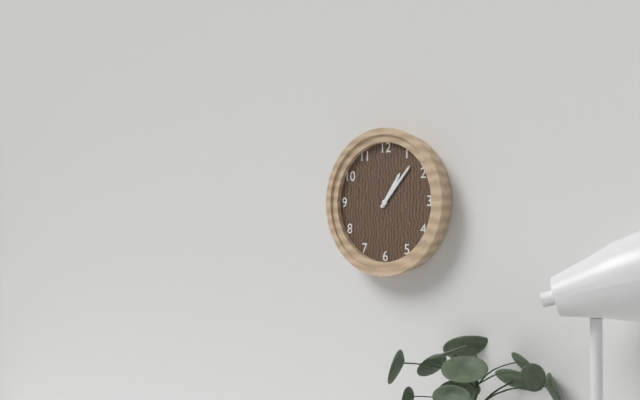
**1:07**
